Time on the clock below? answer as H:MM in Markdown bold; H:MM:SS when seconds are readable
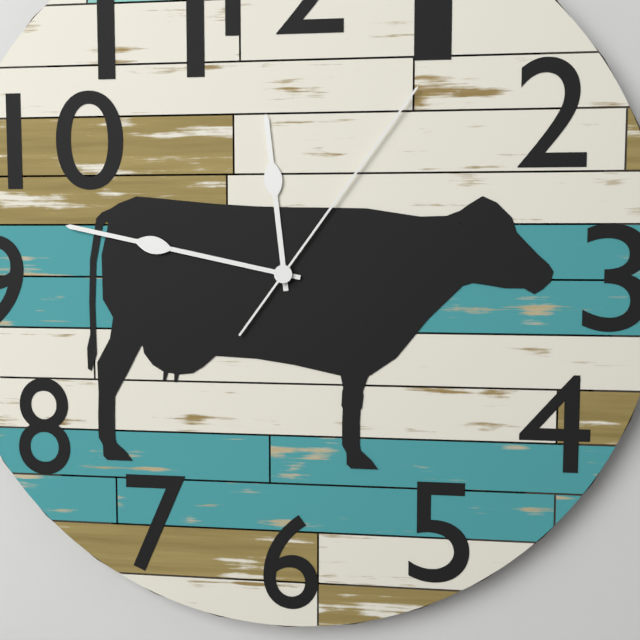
**11:47:06**
